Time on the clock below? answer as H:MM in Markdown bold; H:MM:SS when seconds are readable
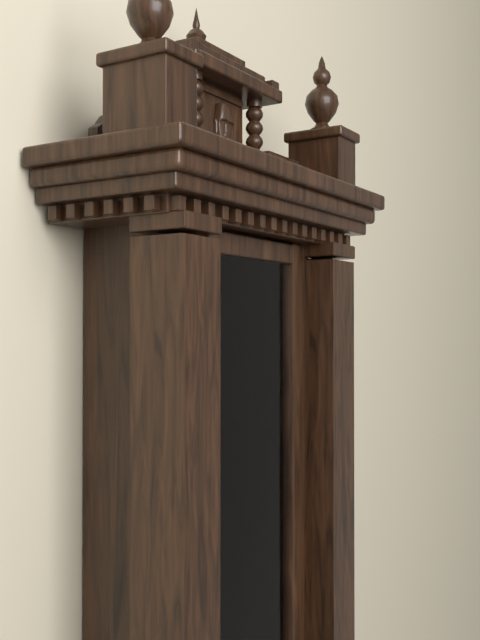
**12:15**
